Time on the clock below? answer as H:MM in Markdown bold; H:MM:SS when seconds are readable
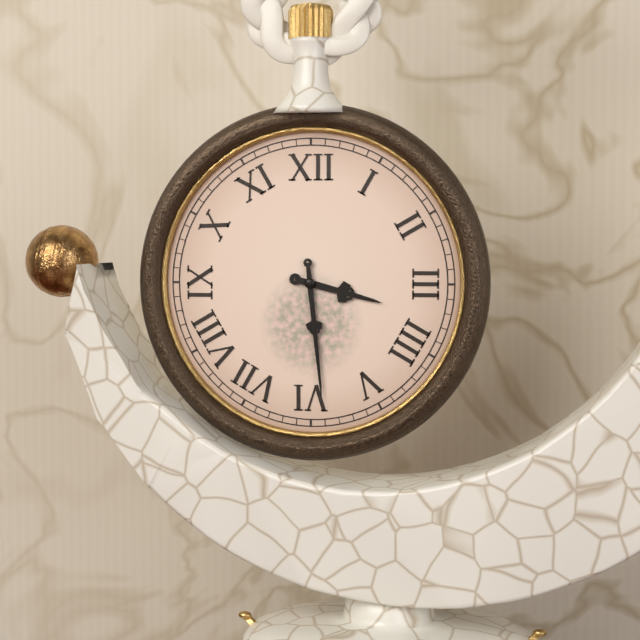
**3:29**
